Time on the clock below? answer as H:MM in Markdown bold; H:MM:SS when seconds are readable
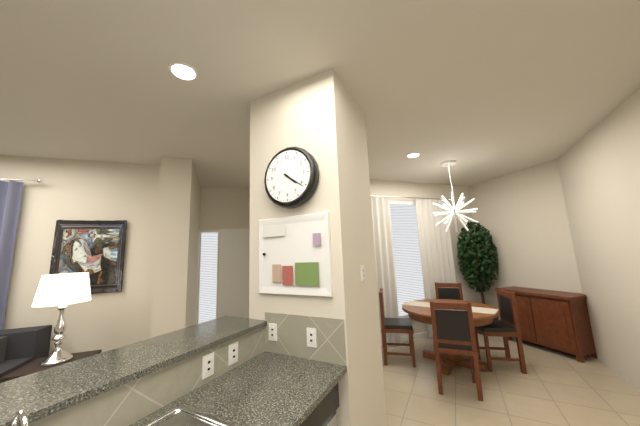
**4:21**
